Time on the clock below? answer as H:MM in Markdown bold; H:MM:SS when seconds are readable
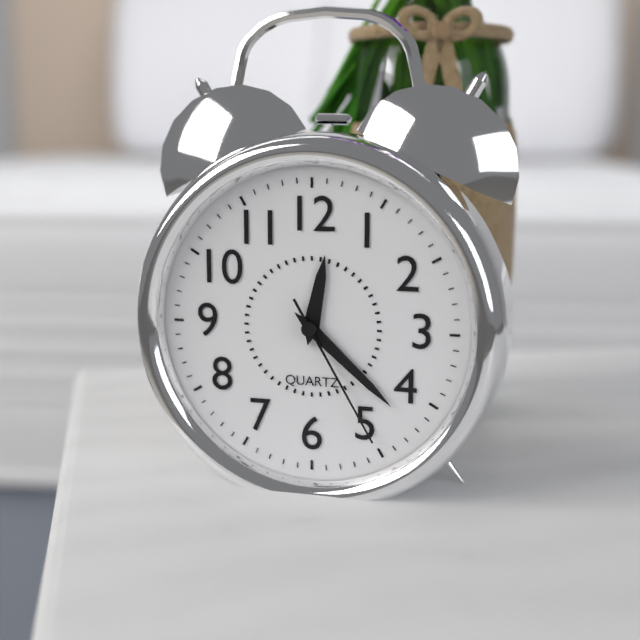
**12:22:25**
